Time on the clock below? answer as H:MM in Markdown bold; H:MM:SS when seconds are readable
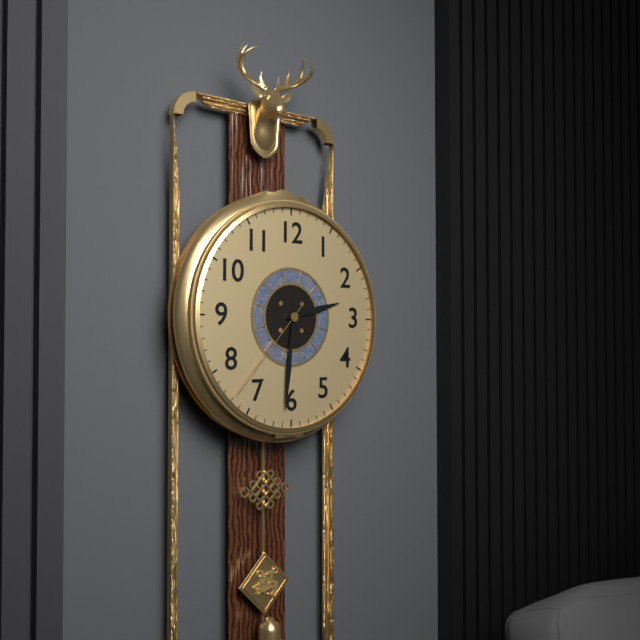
**2:31:37**
